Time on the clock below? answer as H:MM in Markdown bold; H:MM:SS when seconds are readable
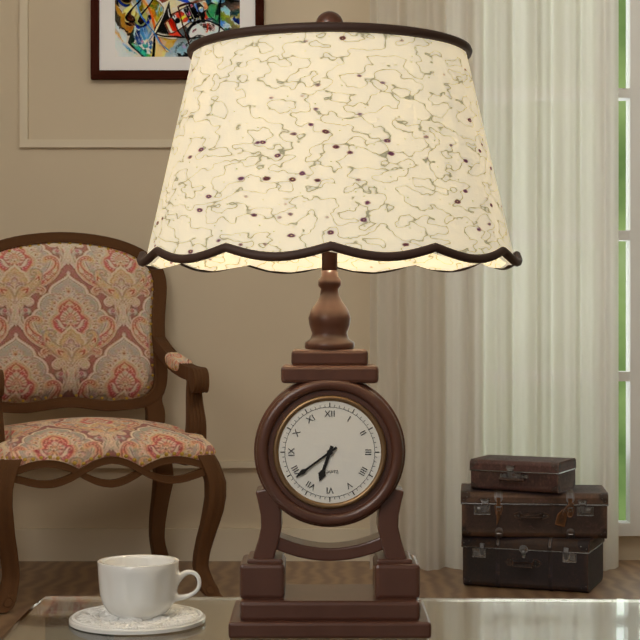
**6:39**
